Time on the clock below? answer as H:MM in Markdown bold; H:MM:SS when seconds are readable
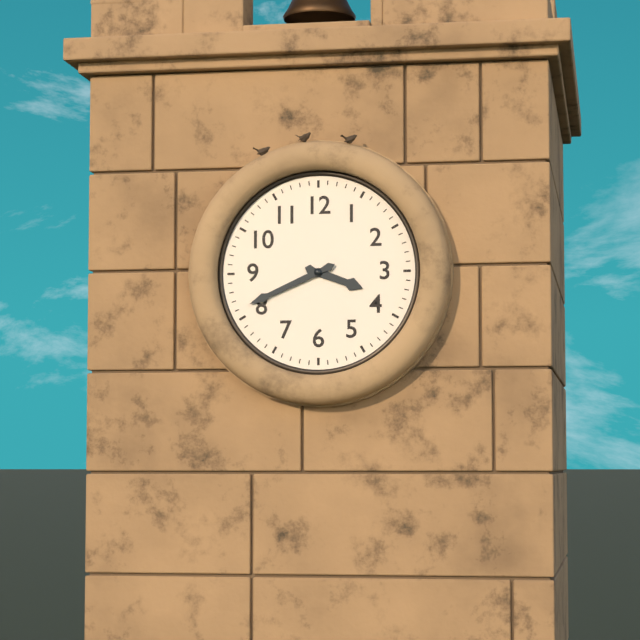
**3:41**
